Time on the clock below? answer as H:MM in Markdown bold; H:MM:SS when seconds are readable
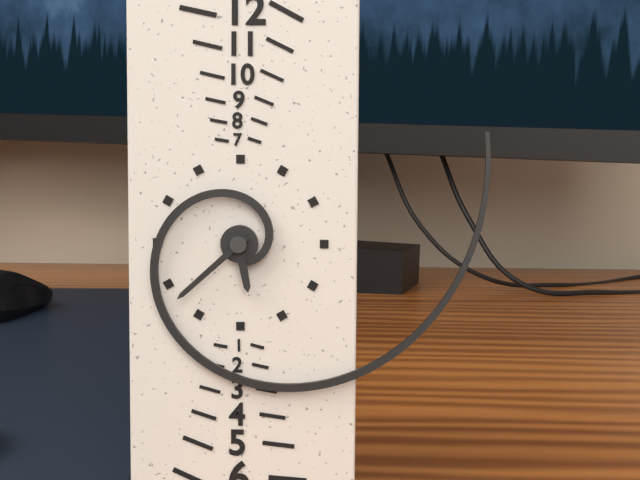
**5:38**
